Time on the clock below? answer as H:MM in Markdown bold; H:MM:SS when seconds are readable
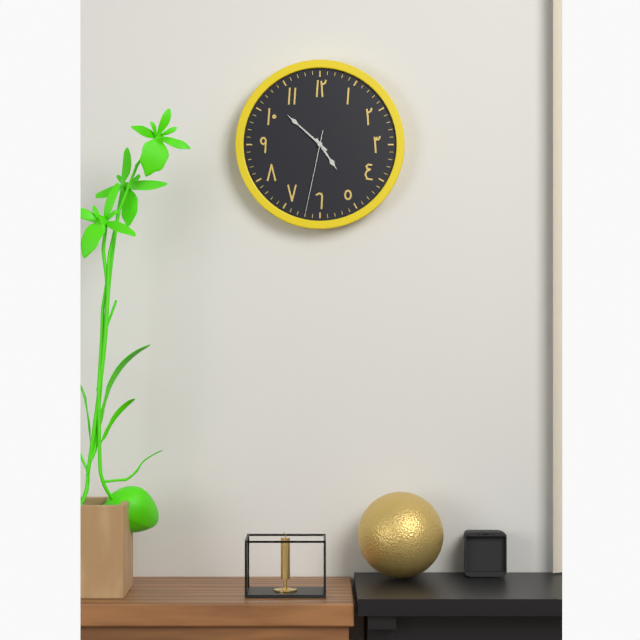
**4:52:32**
